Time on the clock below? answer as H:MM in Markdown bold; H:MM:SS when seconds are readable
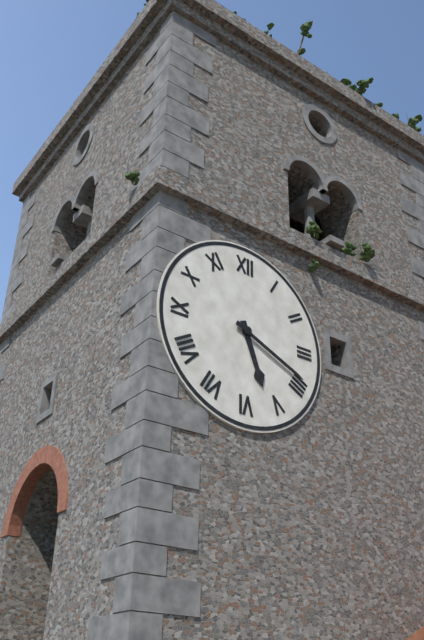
**5:19**
